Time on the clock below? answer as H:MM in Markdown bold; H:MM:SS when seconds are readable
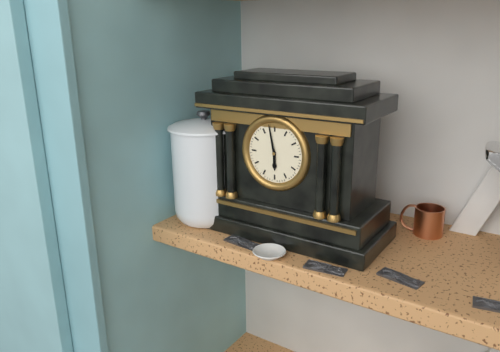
**5:58**
